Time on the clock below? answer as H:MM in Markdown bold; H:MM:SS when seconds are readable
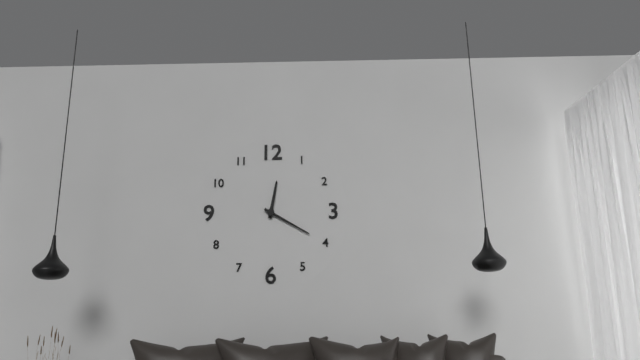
**12:20**
